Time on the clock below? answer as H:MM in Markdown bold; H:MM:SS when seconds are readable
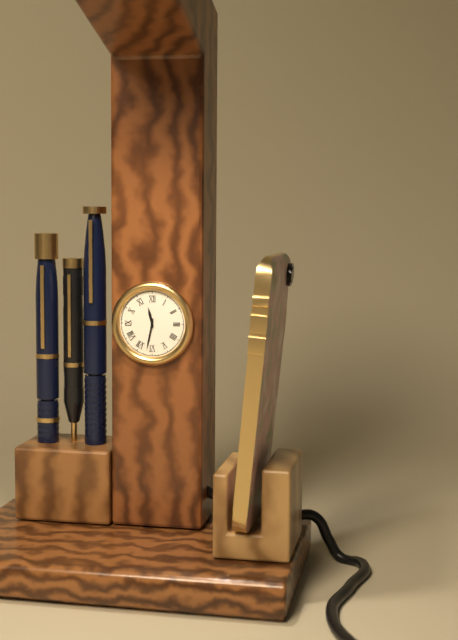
**11:32**
